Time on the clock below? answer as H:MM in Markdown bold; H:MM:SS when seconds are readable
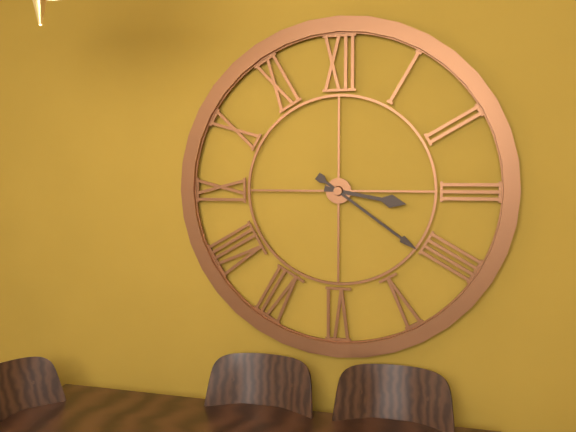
**3:21**
